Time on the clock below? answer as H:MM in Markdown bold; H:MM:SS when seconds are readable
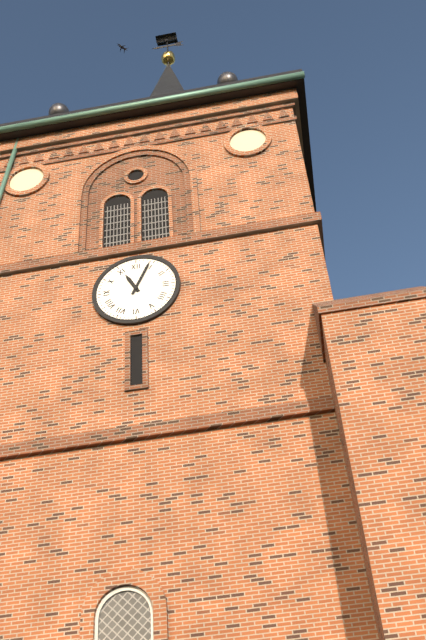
**11:04**
